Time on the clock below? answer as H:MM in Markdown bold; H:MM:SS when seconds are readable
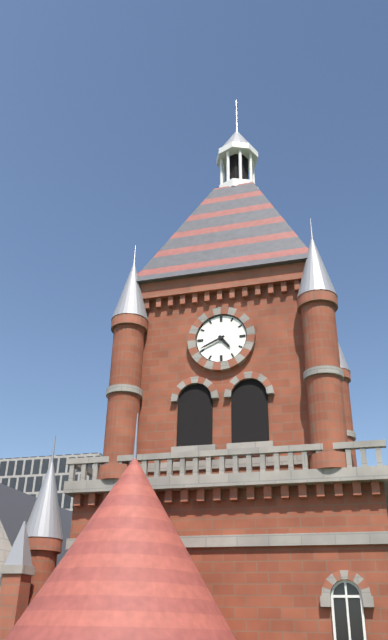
**4:41**
